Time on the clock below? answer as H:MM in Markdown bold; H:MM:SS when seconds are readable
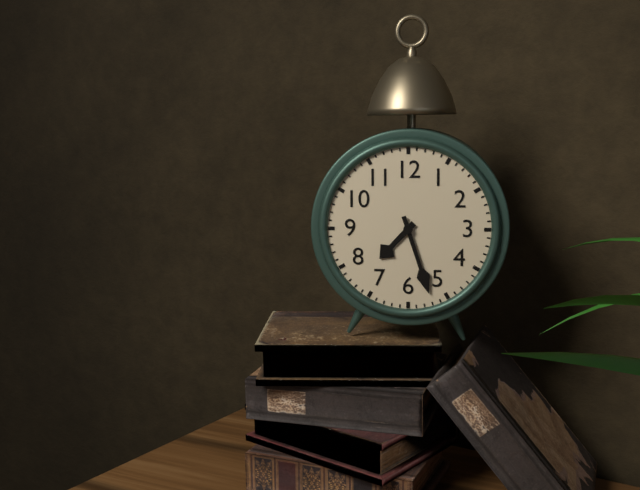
**7:27**
